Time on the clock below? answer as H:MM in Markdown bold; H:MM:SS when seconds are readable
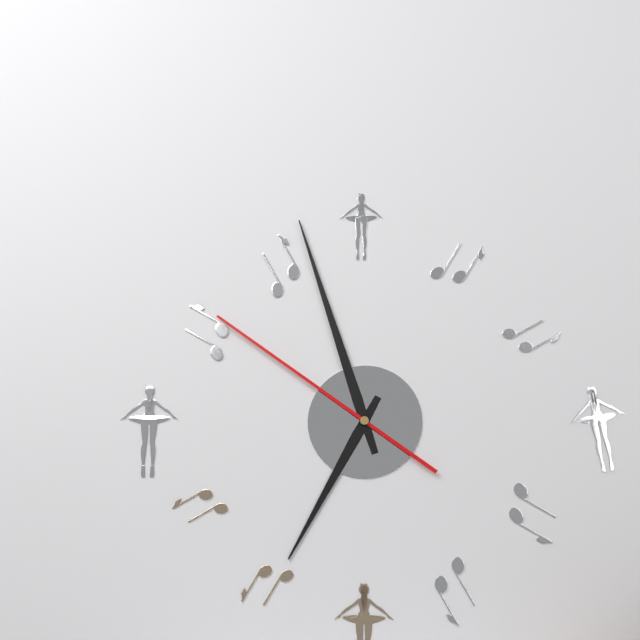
**6:57:51**
